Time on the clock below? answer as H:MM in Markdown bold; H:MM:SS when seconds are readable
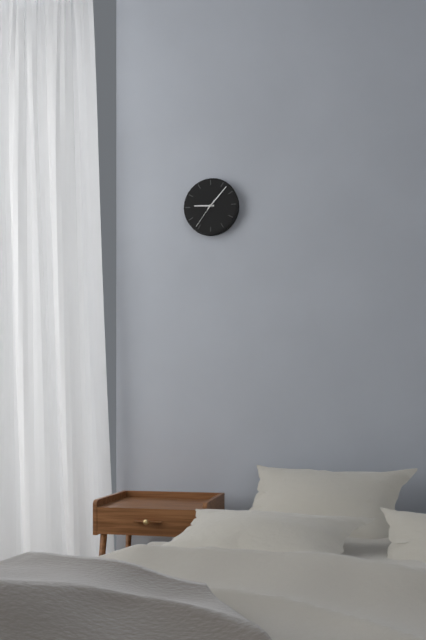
**9:07**
